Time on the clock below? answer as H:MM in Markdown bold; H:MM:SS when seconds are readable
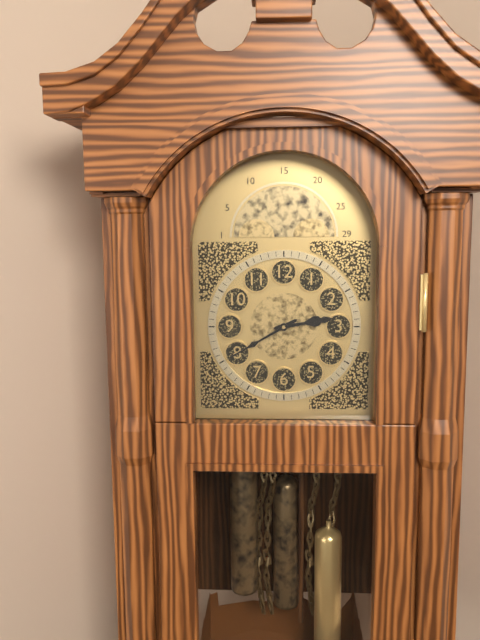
**2:40**
